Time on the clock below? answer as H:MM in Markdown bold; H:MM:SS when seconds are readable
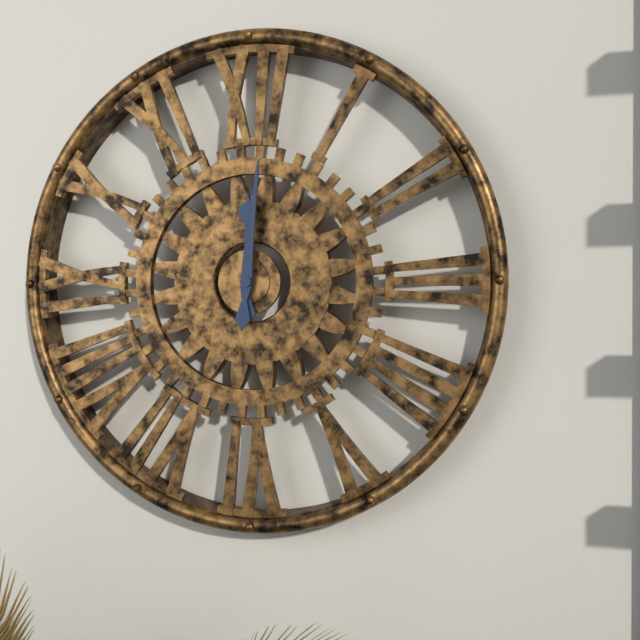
**12:01**
